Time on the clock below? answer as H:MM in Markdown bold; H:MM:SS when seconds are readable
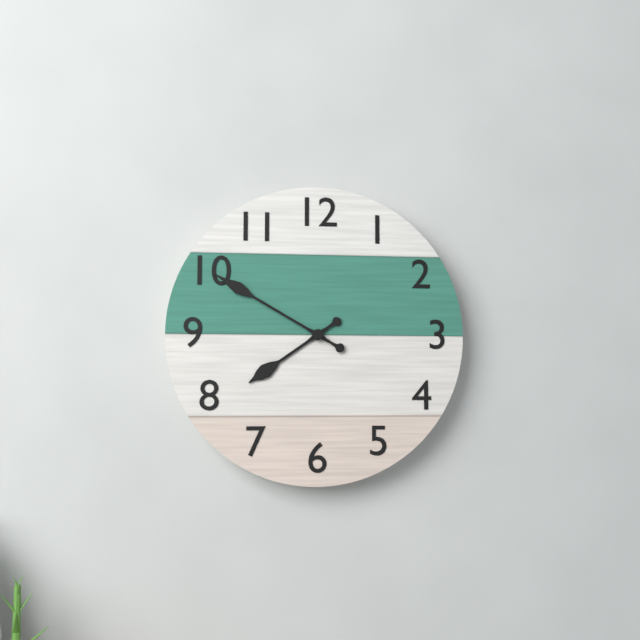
**7:50**
